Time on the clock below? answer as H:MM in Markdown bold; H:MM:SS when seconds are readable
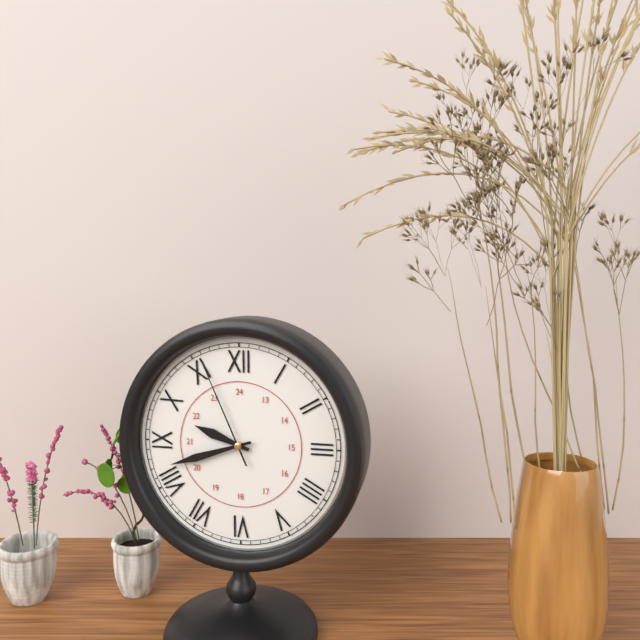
**9:42:56**
